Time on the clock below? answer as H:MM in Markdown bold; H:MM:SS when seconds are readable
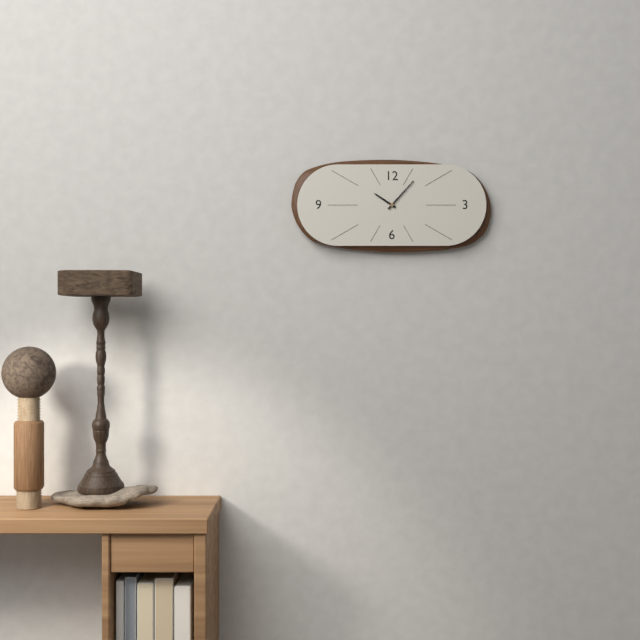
**10:07**
